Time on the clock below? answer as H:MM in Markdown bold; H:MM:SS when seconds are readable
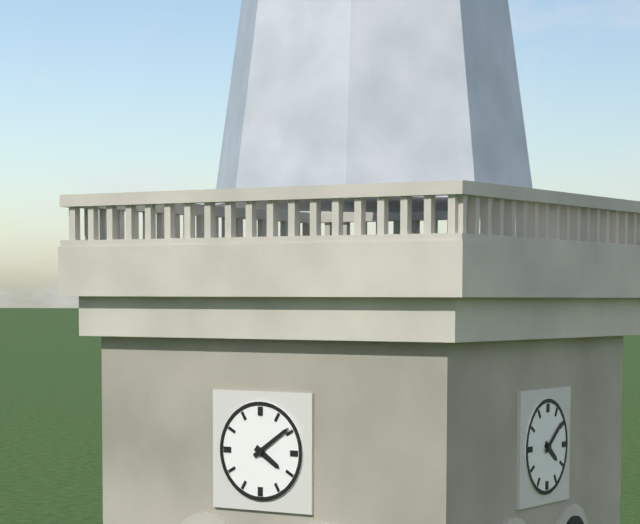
**4:09**
